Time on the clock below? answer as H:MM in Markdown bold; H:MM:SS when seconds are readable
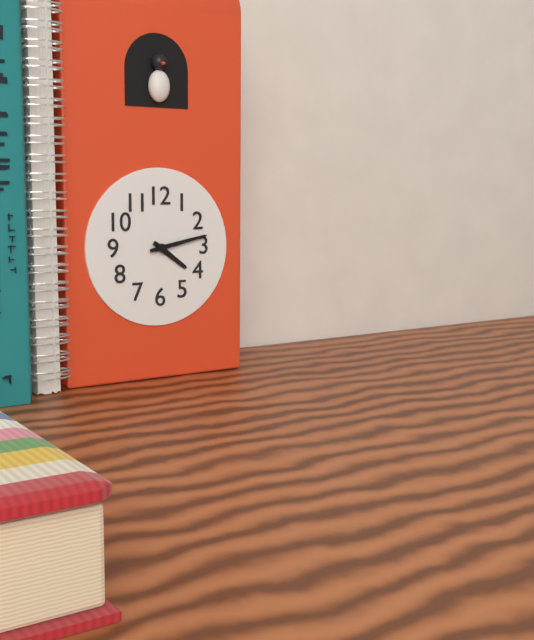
**4:13**
